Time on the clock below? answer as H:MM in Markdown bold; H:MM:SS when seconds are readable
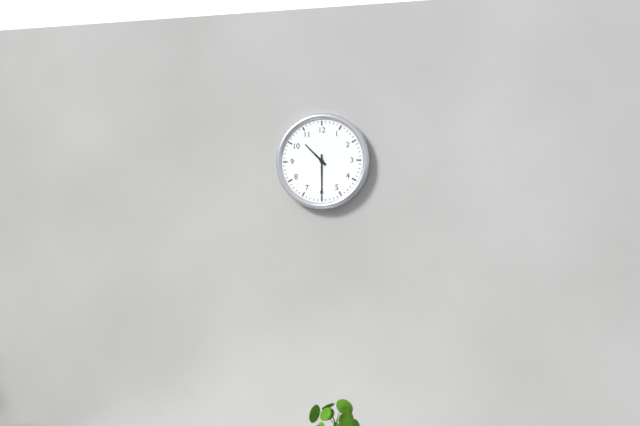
**10:30**
